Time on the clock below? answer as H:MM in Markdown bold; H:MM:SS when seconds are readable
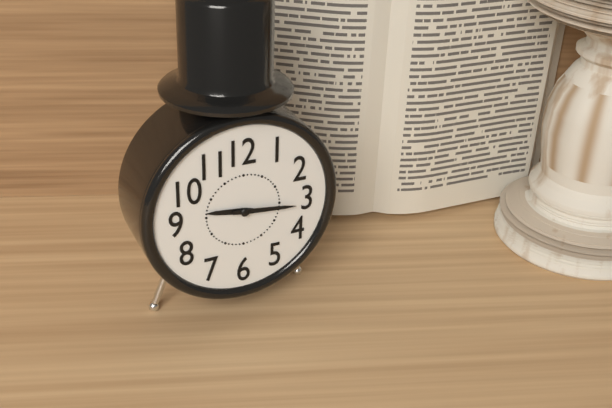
**9:16**
